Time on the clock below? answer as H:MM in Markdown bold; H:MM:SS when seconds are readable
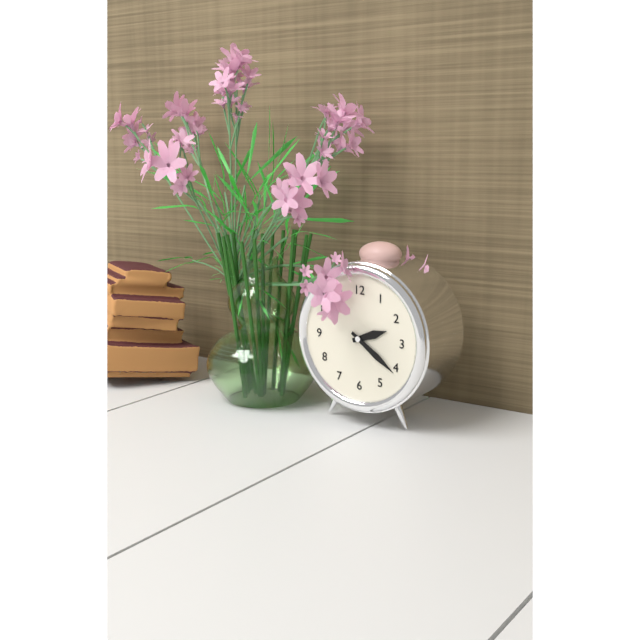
**2:21**
